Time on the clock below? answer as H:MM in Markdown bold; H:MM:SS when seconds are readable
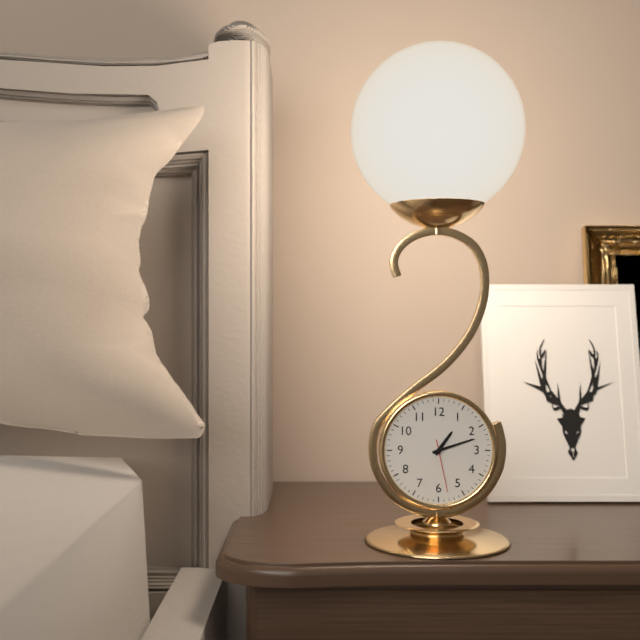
**1:12:28**
